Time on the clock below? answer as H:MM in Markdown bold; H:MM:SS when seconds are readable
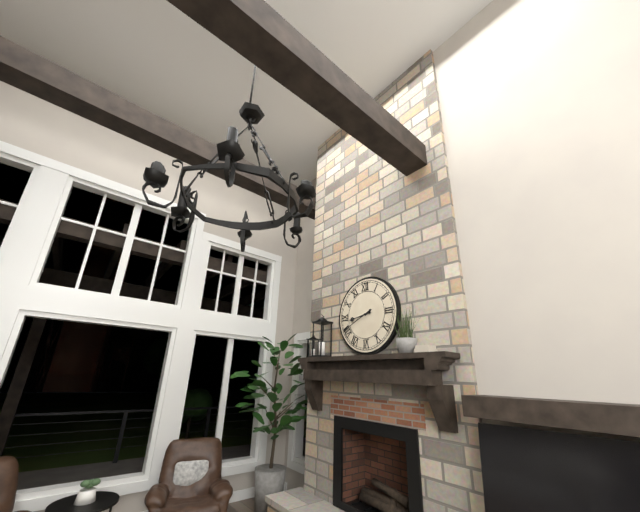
**8:41**
